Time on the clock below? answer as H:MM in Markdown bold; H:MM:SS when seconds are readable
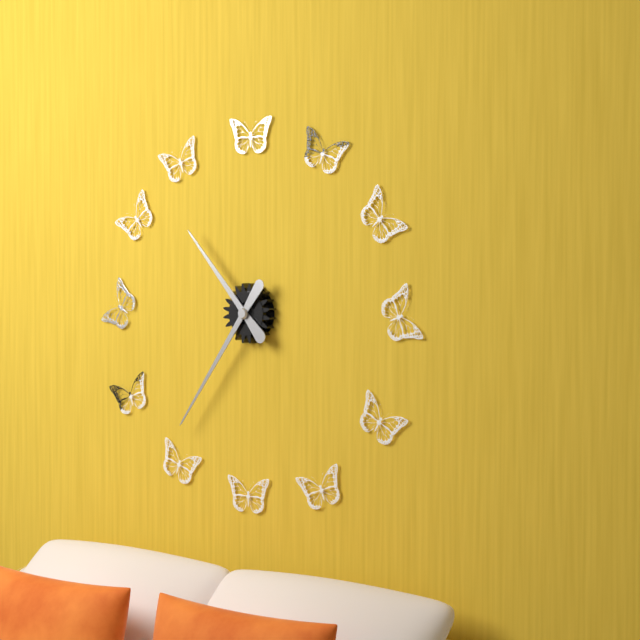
**10:36**
